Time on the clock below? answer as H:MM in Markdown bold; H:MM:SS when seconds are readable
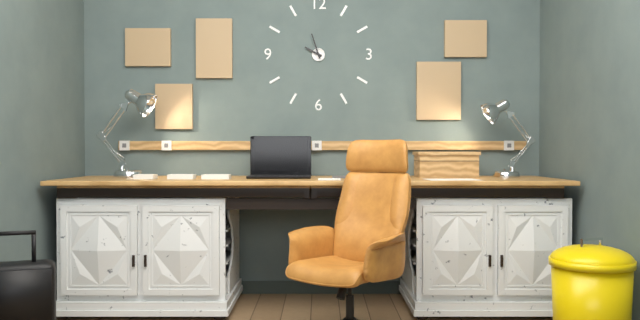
**9:57**
